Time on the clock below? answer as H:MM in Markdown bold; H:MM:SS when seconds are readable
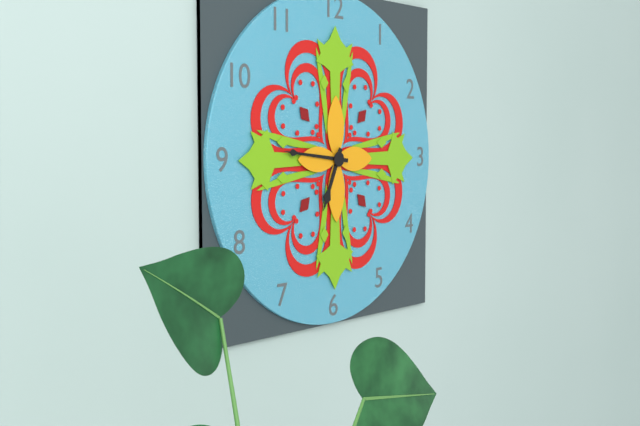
**6:46**
